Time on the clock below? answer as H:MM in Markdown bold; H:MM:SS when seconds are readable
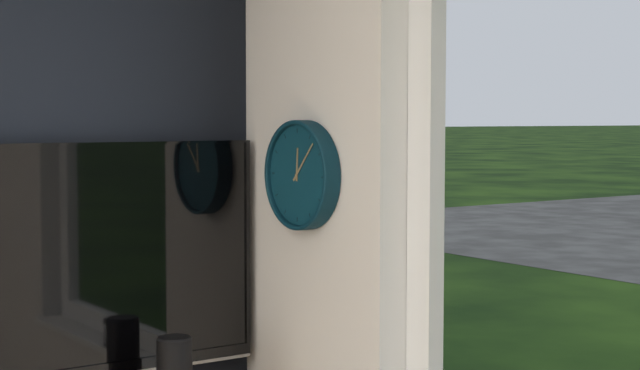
**12:07**
